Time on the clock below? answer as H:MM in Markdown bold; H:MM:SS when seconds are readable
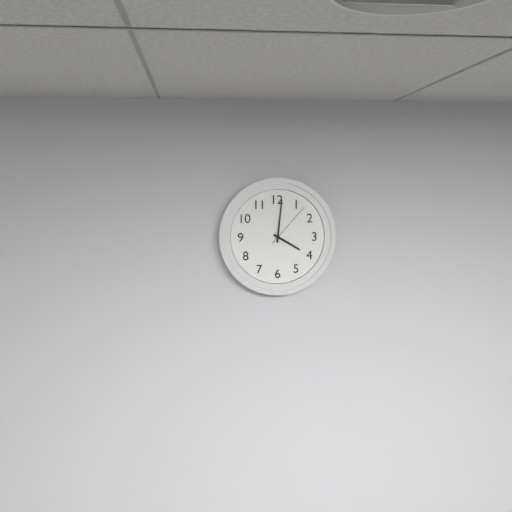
**4:01:07**
